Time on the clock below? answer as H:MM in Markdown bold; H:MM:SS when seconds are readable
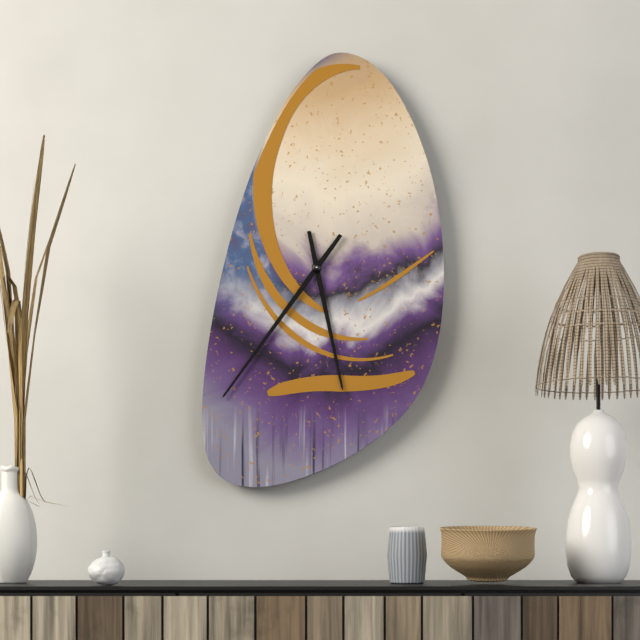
**5:36**
